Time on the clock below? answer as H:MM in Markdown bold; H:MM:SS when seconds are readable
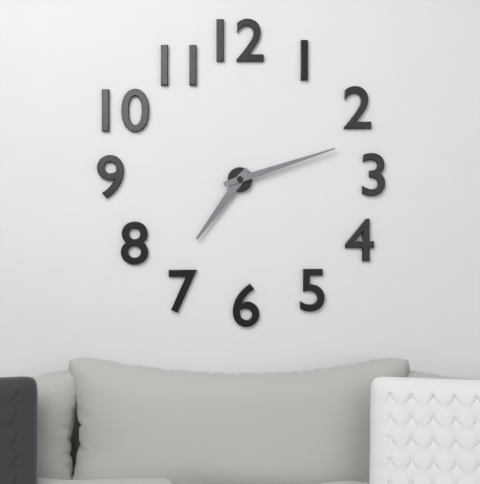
**7:12**
